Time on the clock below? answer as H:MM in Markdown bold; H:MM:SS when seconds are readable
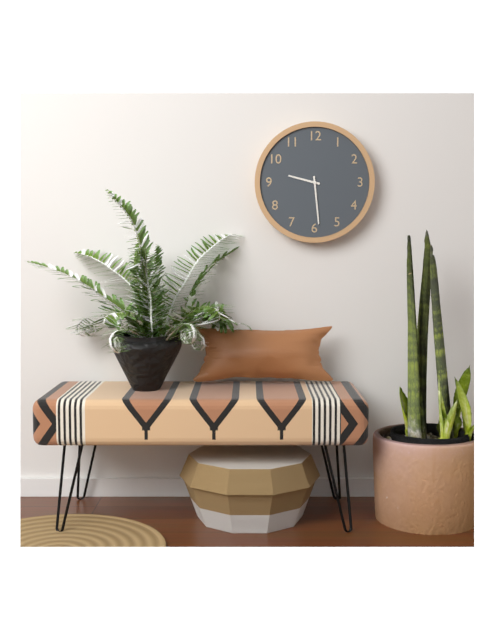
**9:29**
